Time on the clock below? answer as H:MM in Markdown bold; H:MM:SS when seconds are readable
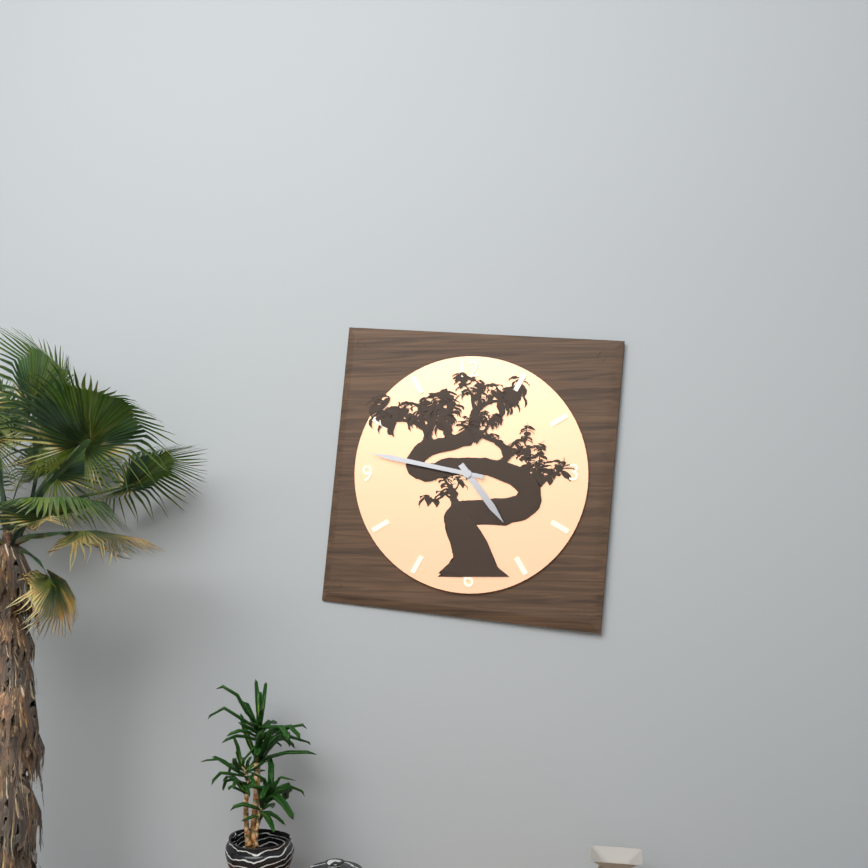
**4:47**
